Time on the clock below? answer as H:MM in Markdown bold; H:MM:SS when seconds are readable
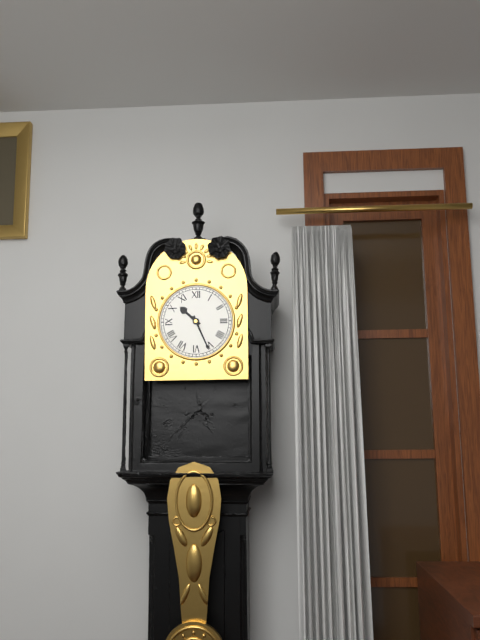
**10:26**
